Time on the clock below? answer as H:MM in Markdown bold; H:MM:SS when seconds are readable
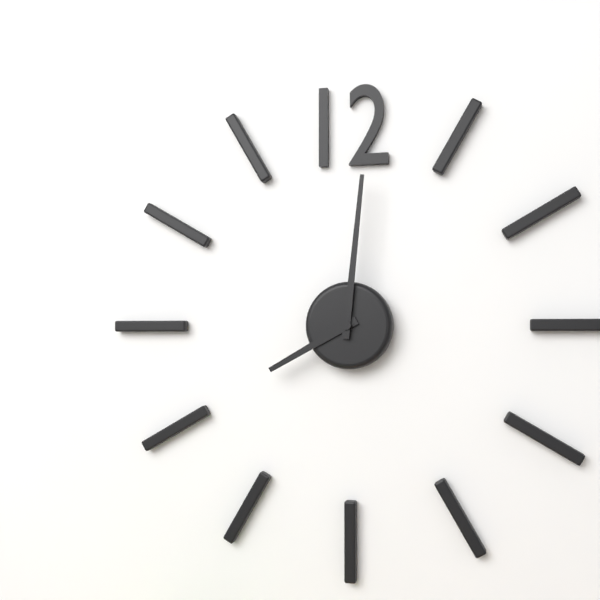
**8:01**
